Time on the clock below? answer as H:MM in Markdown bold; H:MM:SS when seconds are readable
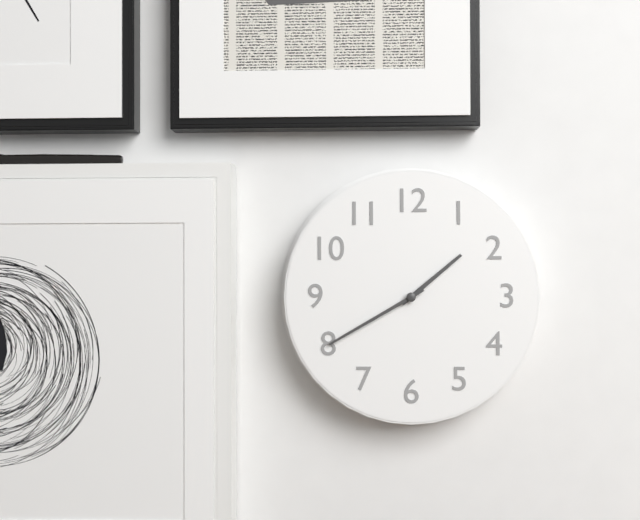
**1:40**
